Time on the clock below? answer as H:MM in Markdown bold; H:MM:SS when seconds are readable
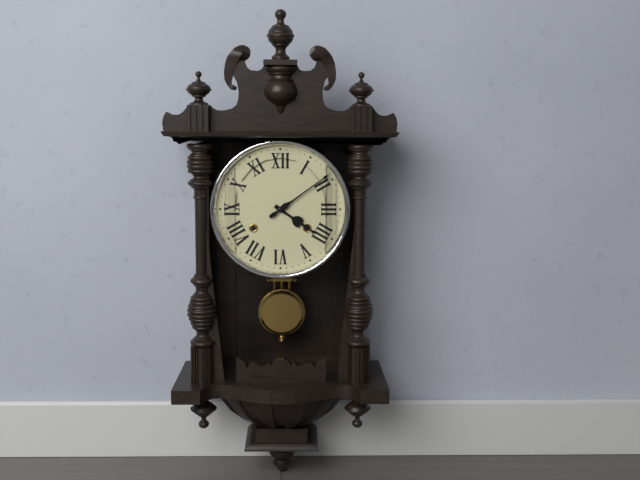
**4:09**
